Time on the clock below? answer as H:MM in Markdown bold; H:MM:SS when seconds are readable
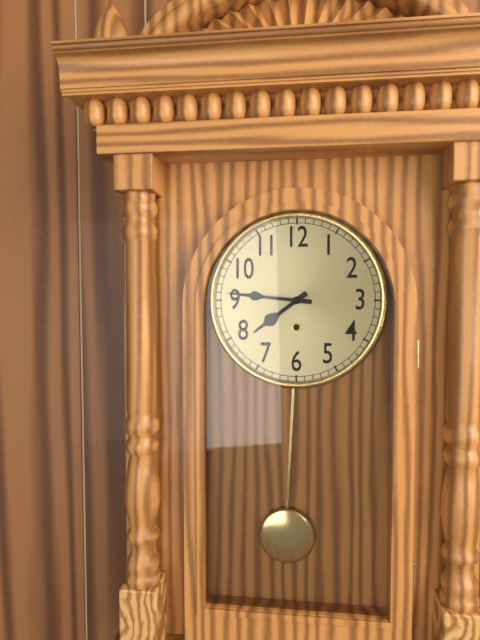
**7:46**
